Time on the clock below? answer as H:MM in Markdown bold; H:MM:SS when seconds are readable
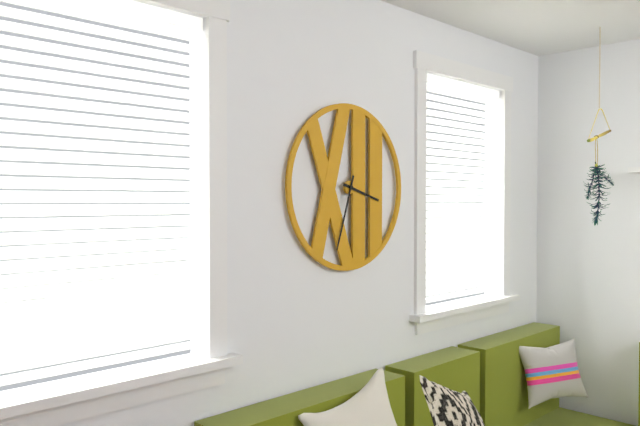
**3:33**
